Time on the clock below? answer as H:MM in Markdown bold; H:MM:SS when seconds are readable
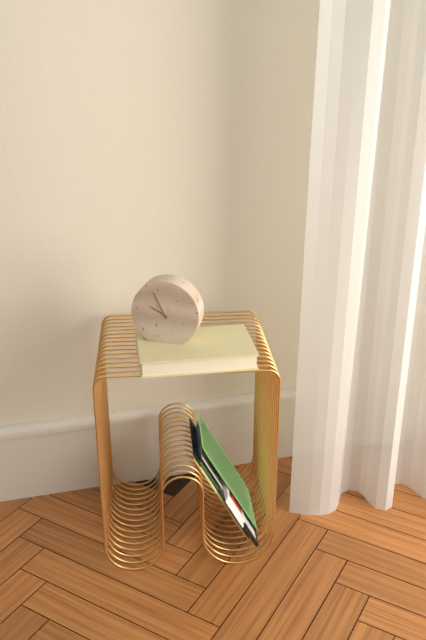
**9:56**
